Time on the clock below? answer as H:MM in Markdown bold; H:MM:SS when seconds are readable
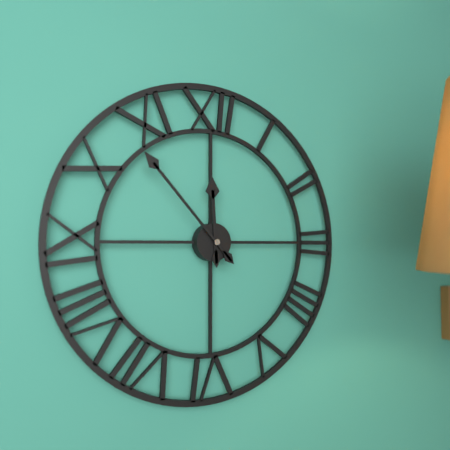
**11:53**
